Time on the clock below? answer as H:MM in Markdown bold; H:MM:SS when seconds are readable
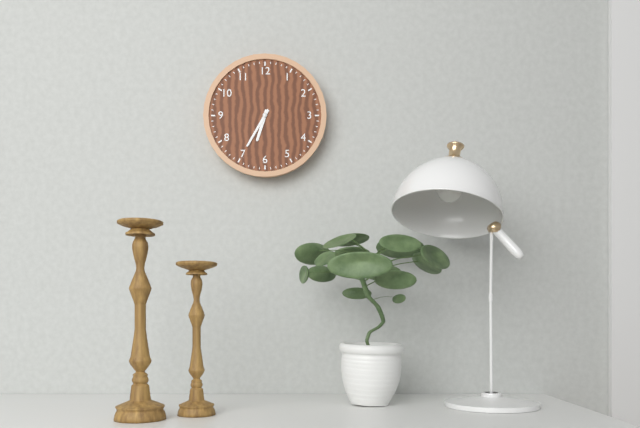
**6:35**
